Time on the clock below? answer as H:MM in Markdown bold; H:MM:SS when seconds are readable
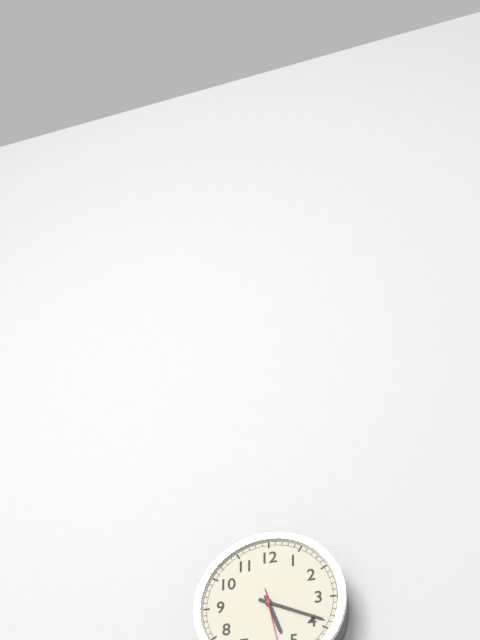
**5:19**
